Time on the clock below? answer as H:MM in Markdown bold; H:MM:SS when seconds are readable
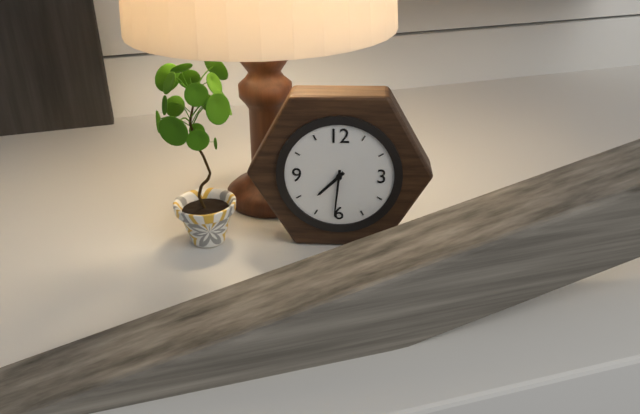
**7:31**
